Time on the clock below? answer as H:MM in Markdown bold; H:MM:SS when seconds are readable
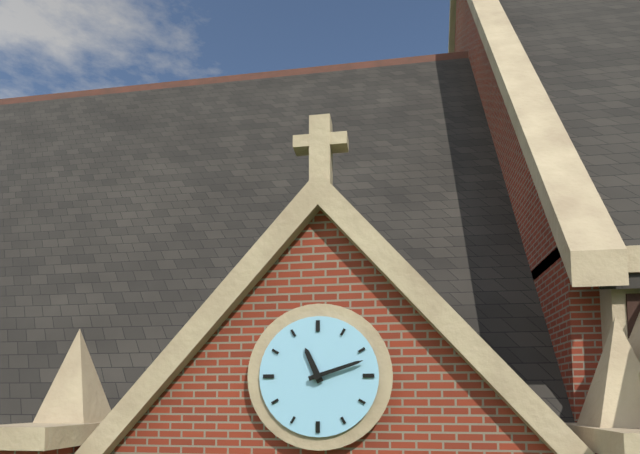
**11:12**
